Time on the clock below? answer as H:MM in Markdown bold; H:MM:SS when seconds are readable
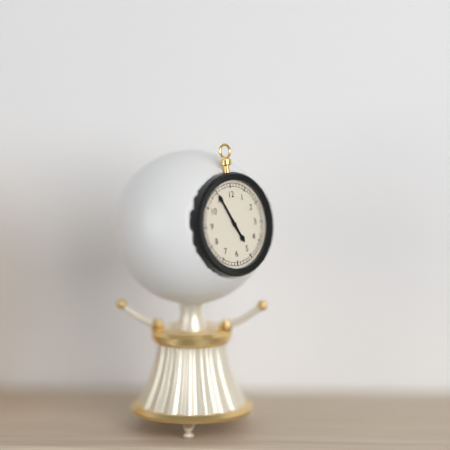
**4:55**
